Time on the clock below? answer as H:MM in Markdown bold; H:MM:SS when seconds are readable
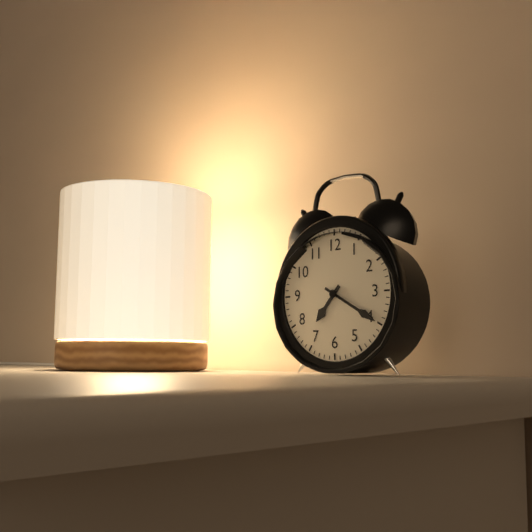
**7:20**
